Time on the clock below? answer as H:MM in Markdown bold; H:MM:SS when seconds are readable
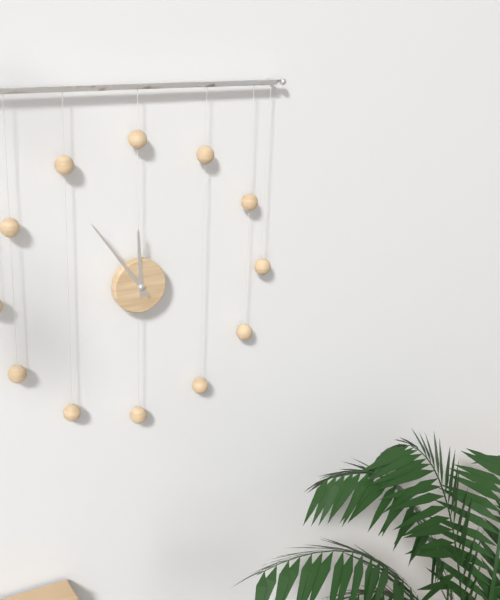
**11:54**
